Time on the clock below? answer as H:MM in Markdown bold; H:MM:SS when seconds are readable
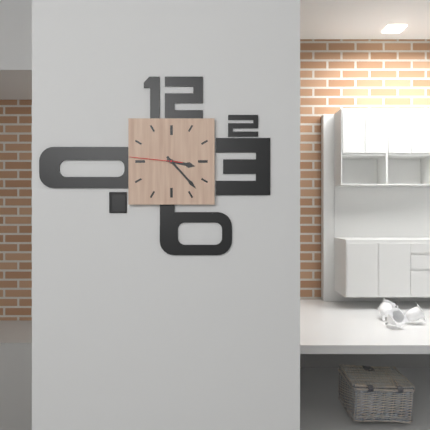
**3:23:46**
